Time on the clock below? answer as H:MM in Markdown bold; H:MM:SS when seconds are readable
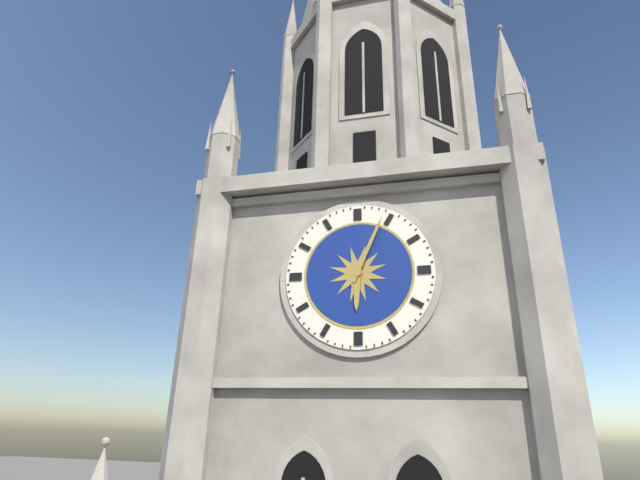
**6:04**
